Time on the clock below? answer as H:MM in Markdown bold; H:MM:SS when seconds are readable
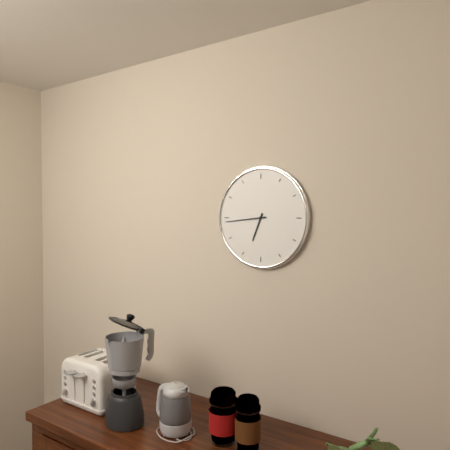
**6:44**
